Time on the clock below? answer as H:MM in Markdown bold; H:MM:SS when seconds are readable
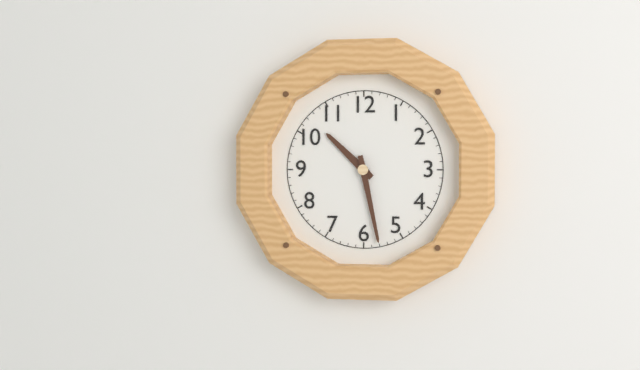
**10:28**
